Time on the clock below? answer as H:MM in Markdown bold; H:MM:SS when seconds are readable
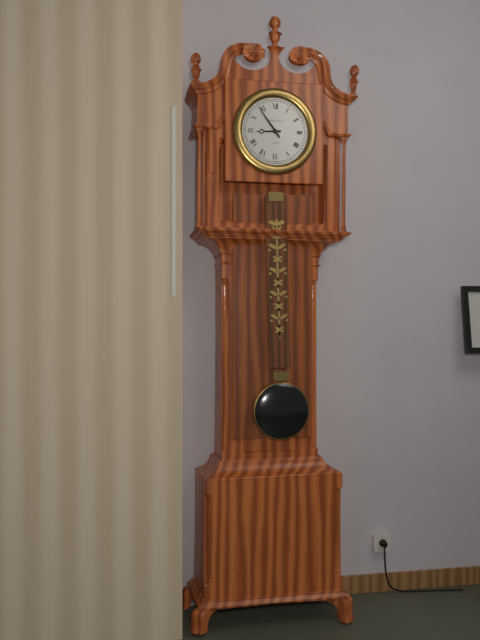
**8:54**
